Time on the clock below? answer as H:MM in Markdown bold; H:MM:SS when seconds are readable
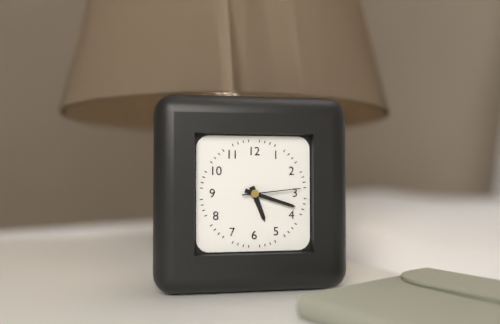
**5:18:14**
